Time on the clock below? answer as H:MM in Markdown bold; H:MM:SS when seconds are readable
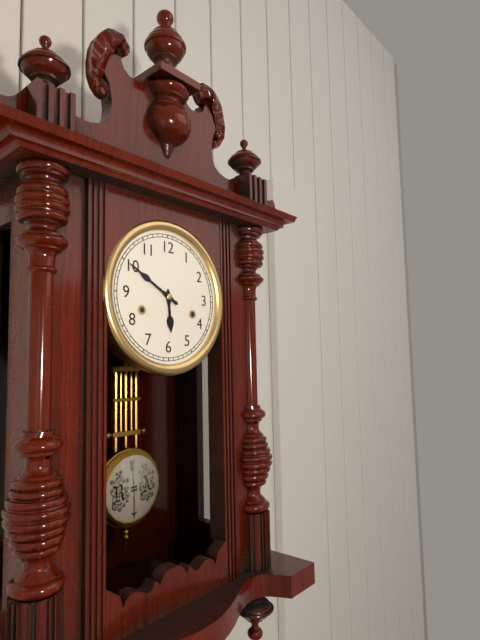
**5:50**
